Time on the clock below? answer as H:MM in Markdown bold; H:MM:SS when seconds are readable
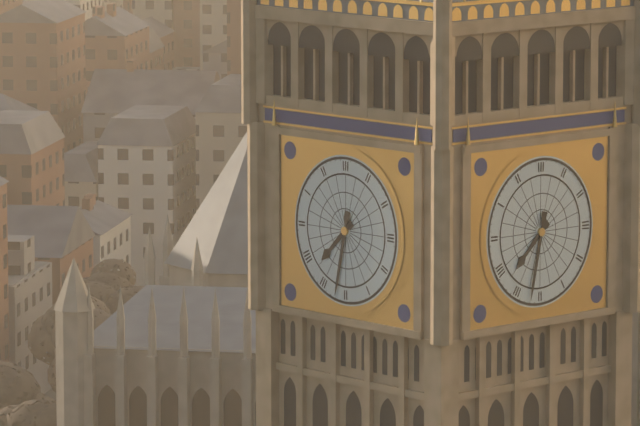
**7:32**
